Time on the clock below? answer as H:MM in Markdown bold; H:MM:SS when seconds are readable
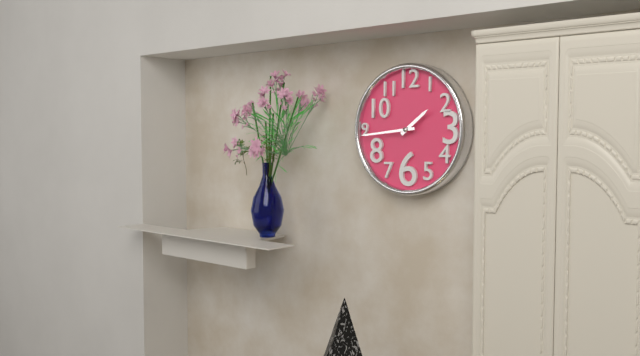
**1:44**
